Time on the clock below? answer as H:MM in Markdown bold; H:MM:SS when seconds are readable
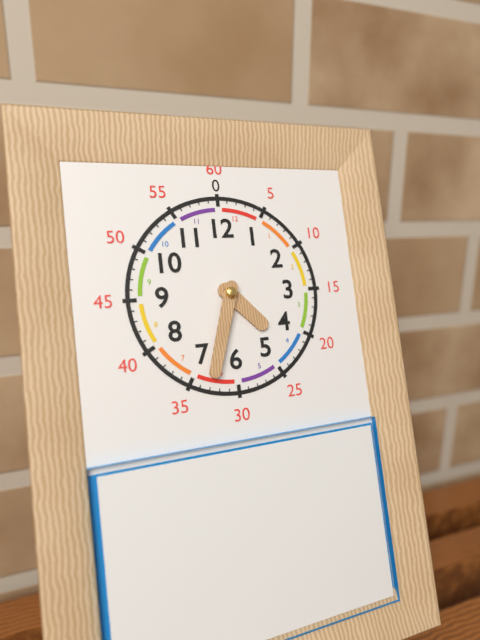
**4:33**
